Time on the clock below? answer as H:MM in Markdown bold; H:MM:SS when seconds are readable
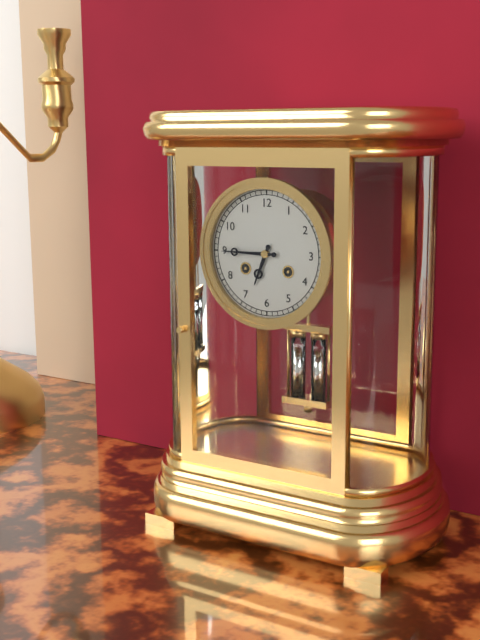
**6:45**
